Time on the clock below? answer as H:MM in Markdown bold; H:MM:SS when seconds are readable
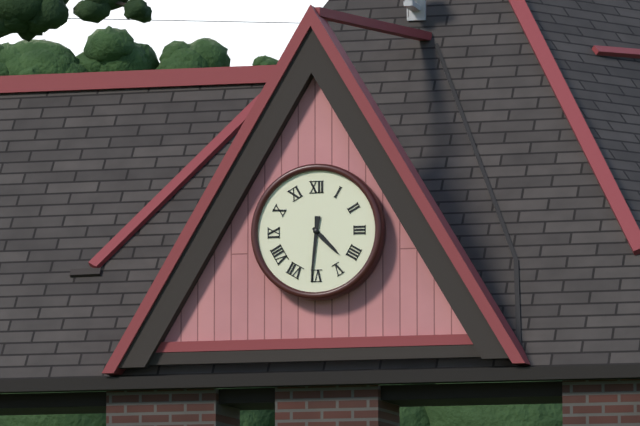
**4:31**
